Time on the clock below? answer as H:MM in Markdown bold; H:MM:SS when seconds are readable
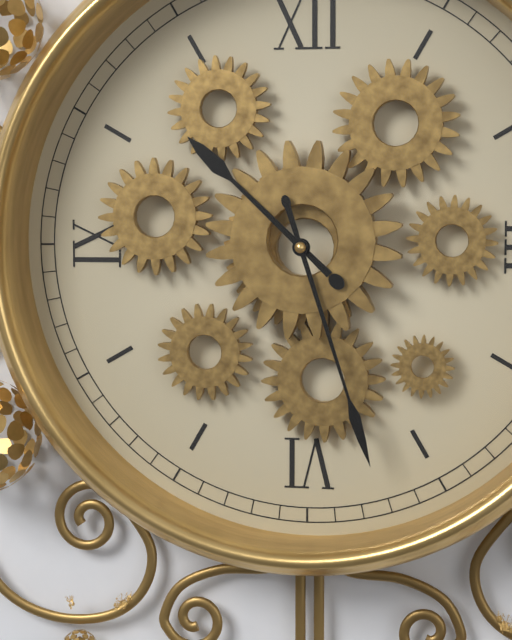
**10:27**
